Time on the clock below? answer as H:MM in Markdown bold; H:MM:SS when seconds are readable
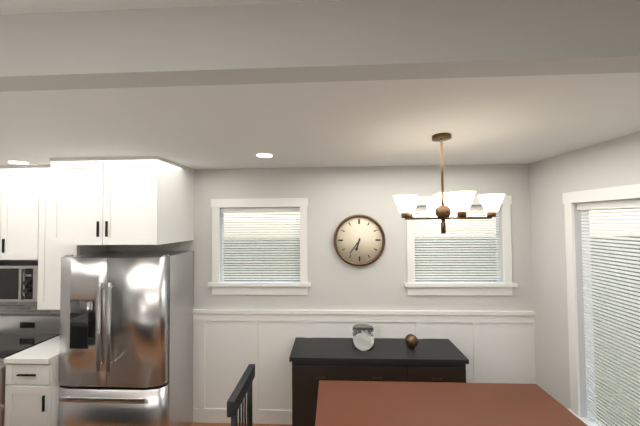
**6:36**
